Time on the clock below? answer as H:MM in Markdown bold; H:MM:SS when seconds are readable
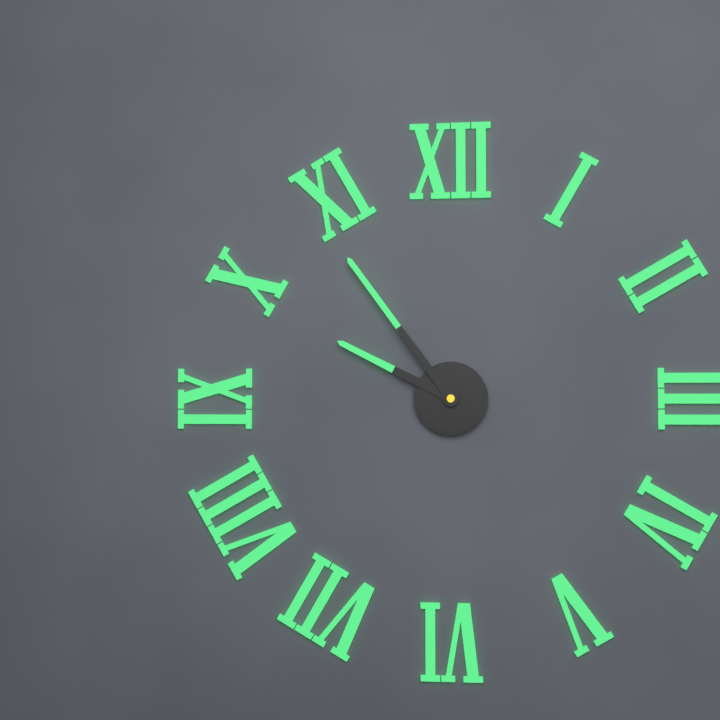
**9:54**
